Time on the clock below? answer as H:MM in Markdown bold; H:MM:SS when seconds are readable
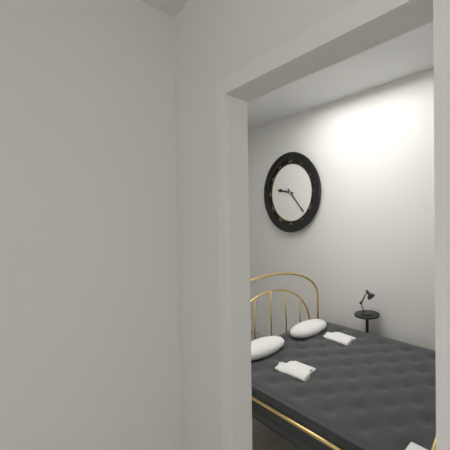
**9:23**
